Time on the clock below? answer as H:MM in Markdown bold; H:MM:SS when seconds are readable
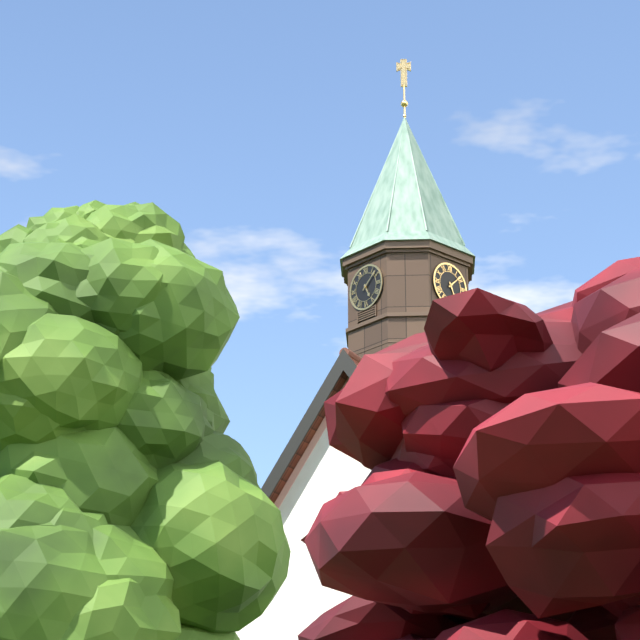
**5:08**
